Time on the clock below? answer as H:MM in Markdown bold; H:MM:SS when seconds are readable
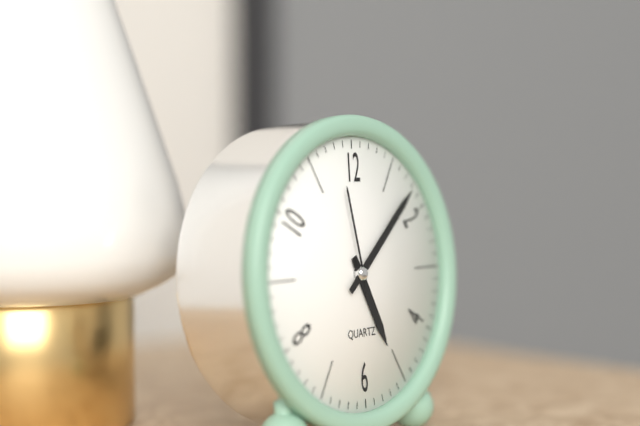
**5:08:58**
